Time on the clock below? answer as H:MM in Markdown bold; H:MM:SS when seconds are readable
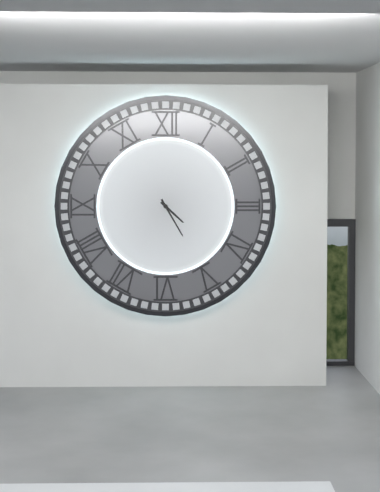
**4:25**
